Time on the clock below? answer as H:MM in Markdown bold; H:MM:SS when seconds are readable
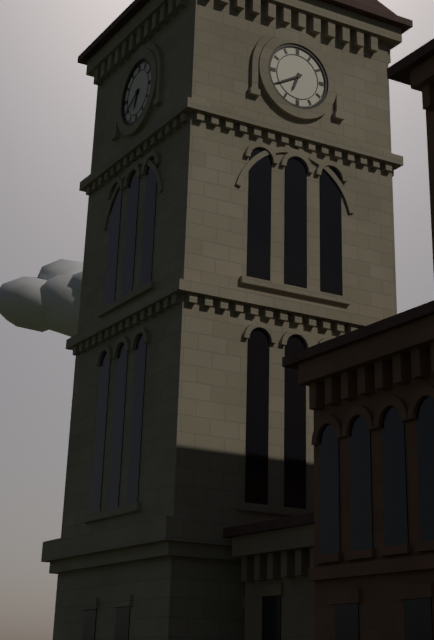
**6:40**
